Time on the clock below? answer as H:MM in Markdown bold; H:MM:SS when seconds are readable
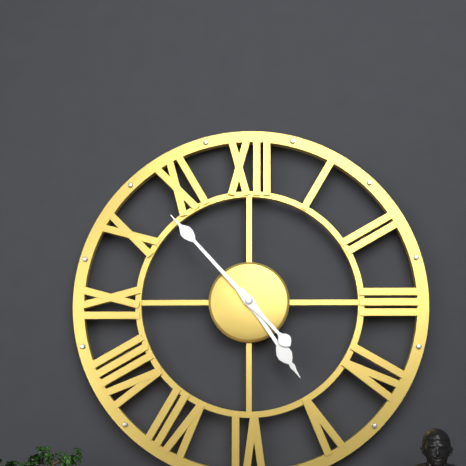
**4:53**
